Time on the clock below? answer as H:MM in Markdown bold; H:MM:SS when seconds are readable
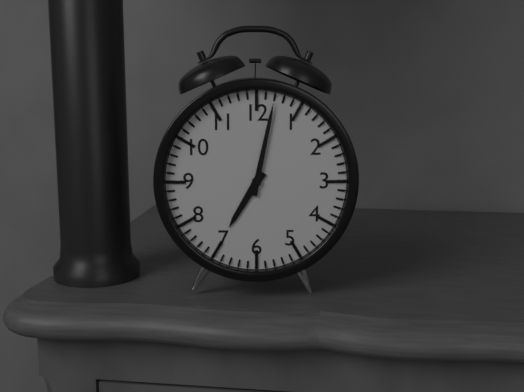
**7:02**
